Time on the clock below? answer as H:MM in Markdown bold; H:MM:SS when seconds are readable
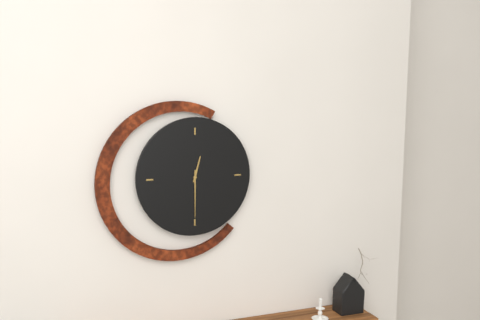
**12:30**
